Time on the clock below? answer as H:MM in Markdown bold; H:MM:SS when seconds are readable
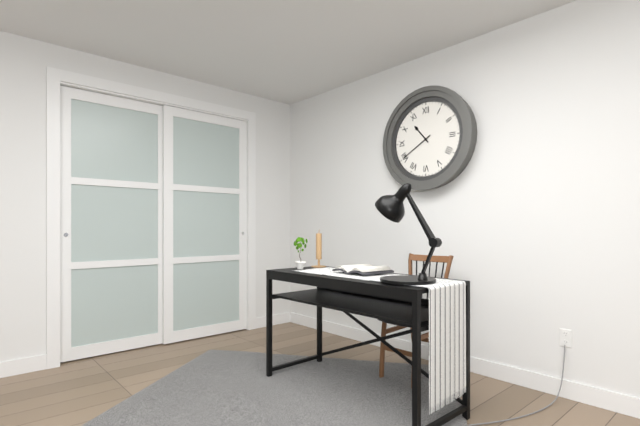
**10:40**
